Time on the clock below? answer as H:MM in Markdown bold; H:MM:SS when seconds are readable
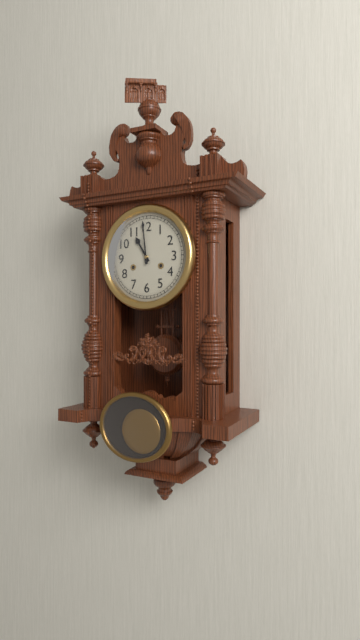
**10:59**
